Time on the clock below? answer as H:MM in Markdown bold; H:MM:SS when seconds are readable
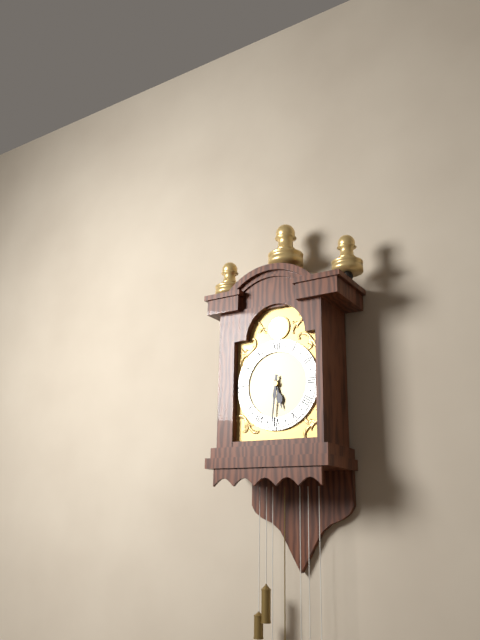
**5:31**
